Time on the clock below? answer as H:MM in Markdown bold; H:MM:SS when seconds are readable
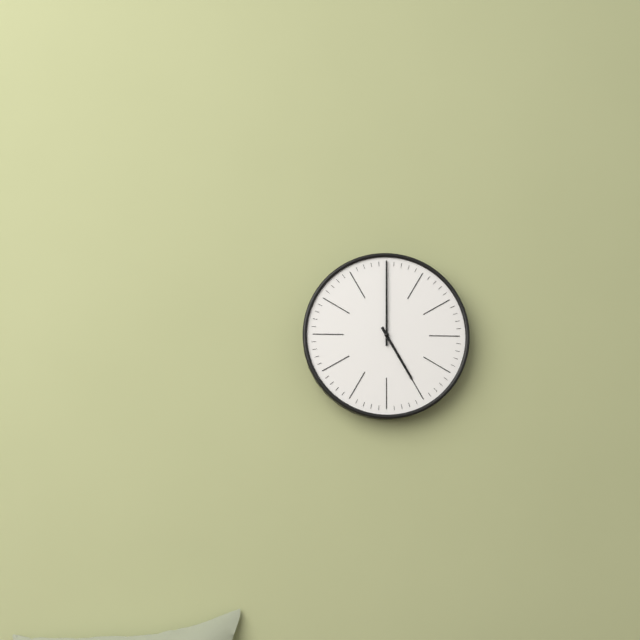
**5:00**
